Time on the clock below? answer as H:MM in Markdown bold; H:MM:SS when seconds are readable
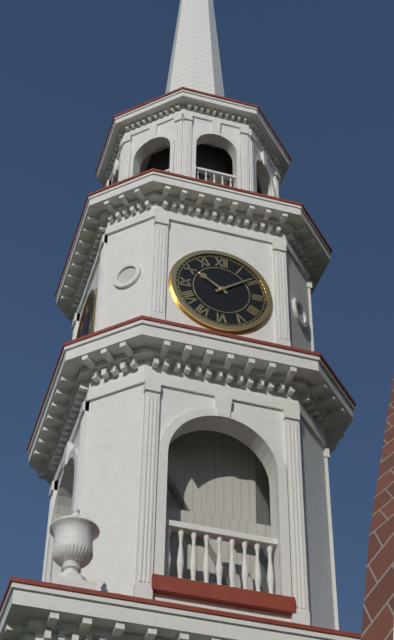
**10:09**
